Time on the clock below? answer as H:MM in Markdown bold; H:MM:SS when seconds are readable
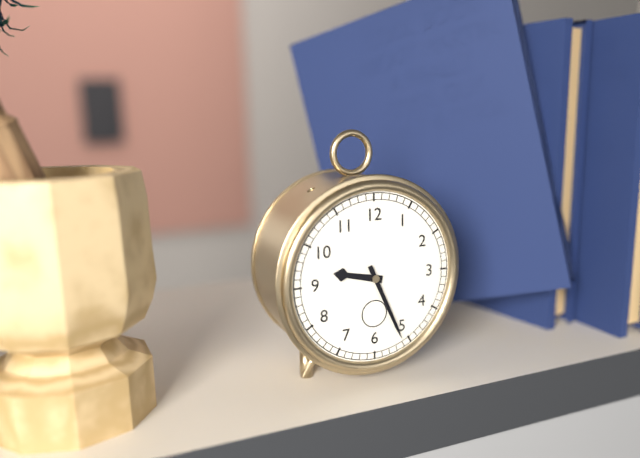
**9:26**
